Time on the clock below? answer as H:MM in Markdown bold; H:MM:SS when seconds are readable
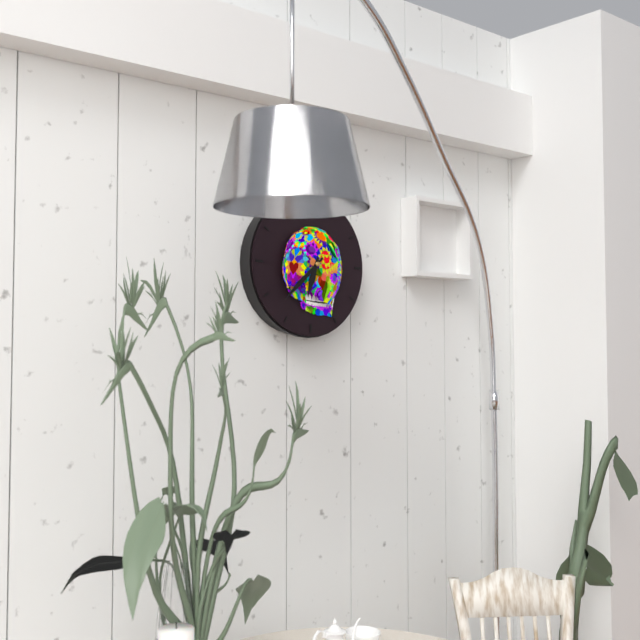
**6:38**
